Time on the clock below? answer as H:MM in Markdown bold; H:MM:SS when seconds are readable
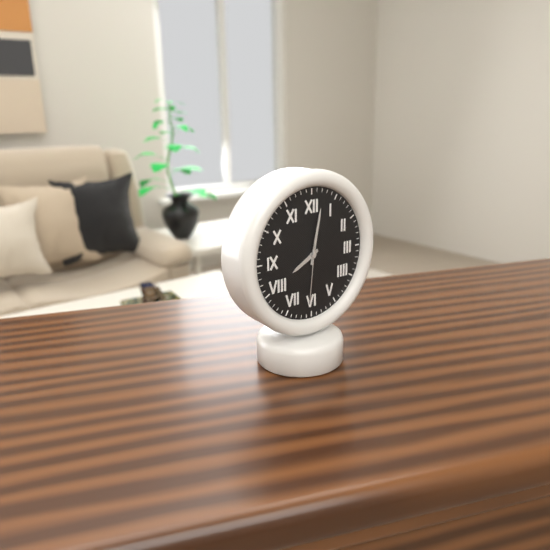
**8:02:31**
